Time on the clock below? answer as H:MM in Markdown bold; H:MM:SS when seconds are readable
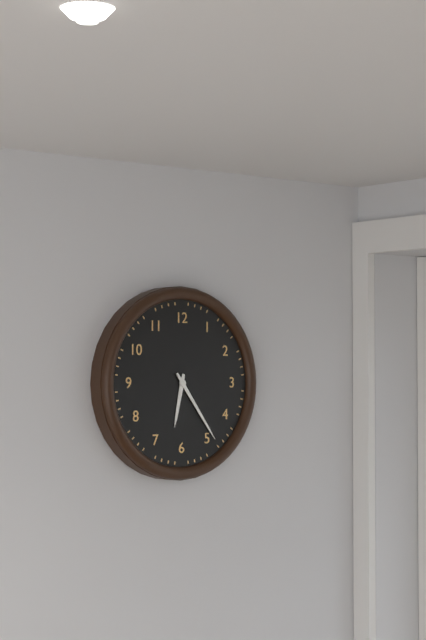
**6:24**
